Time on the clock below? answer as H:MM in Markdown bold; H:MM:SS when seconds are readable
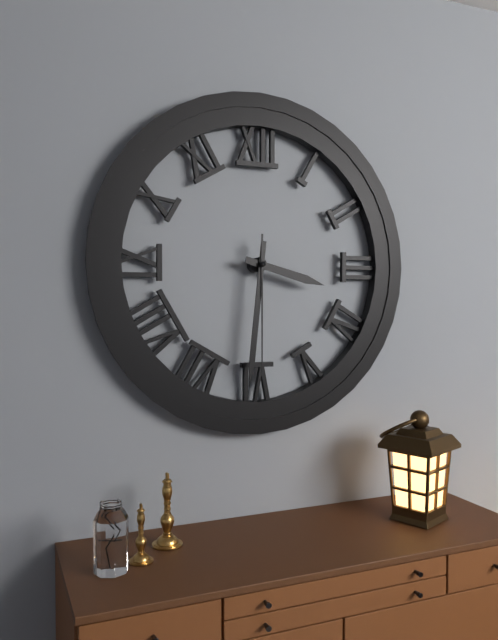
**3:31:30**
